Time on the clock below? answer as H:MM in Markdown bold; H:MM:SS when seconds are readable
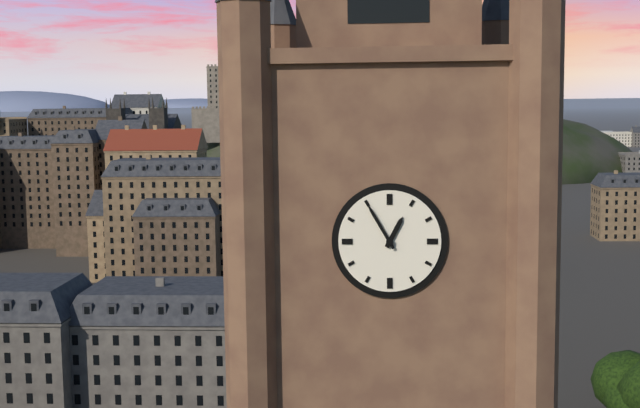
**12:55**
